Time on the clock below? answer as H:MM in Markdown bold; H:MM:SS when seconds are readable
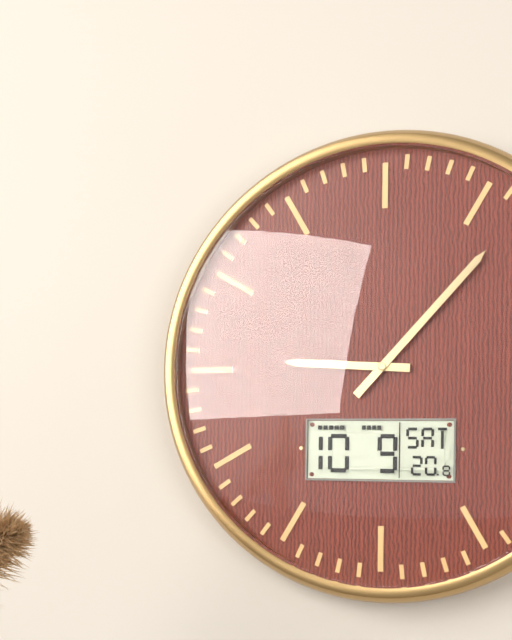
**9:07**
